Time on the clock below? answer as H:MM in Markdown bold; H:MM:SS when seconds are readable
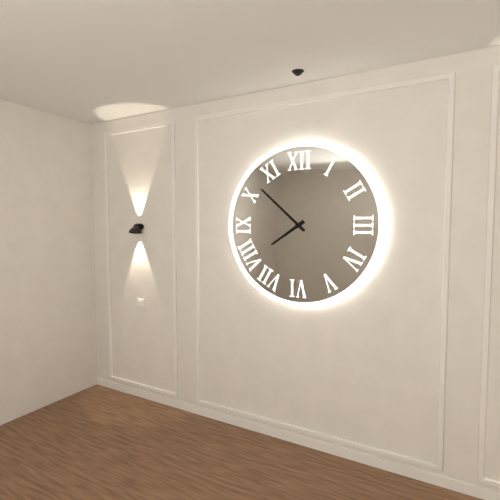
**7:52**
